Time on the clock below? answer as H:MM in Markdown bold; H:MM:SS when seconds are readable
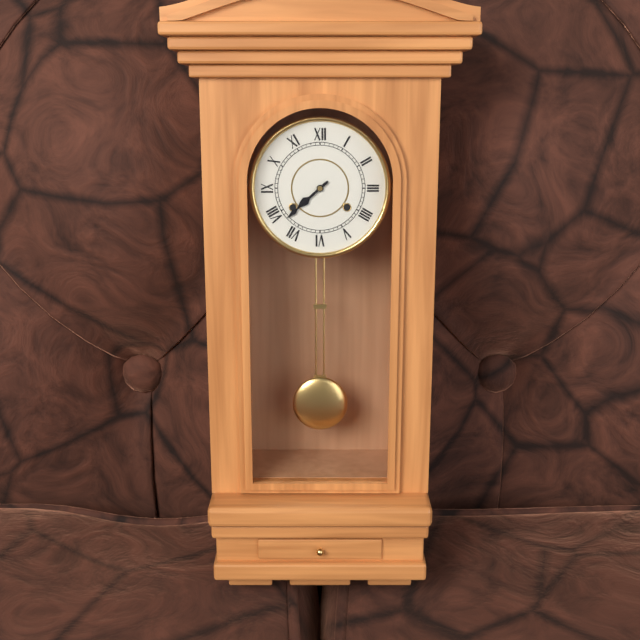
**7:38**
